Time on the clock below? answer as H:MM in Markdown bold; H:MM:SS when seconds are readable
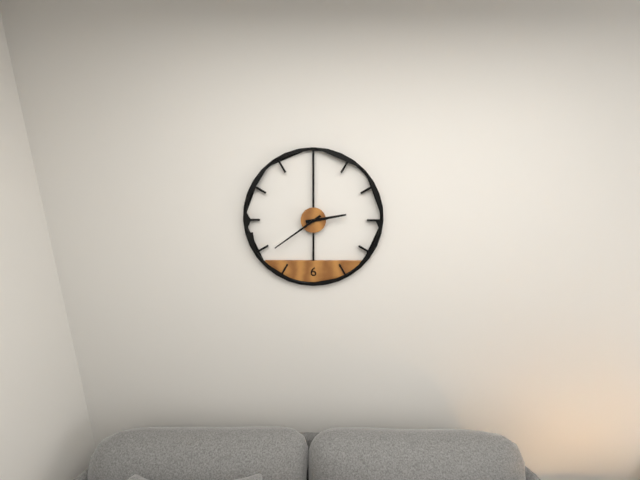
**2:39**
